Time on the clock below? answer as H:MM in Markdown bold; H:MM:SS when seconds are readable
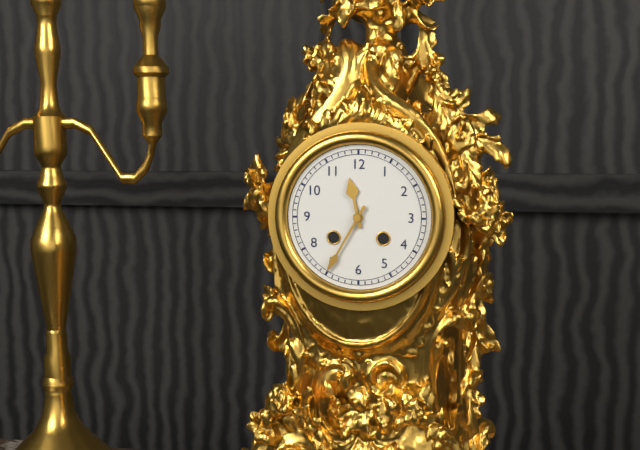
**11:35**
